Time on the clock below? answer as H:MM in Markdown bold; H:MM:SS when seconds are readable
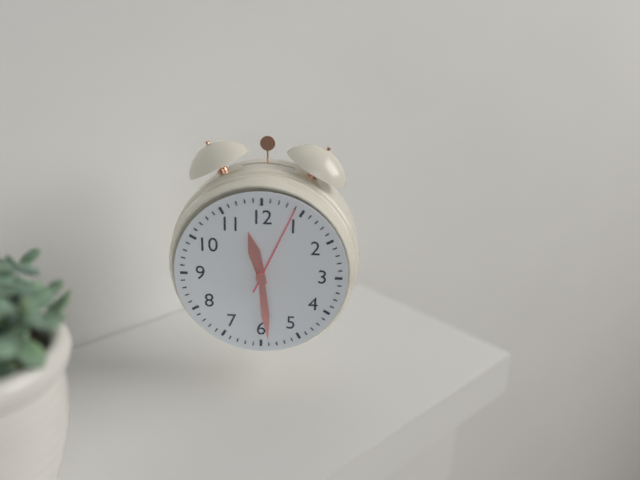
**11:29:04**
